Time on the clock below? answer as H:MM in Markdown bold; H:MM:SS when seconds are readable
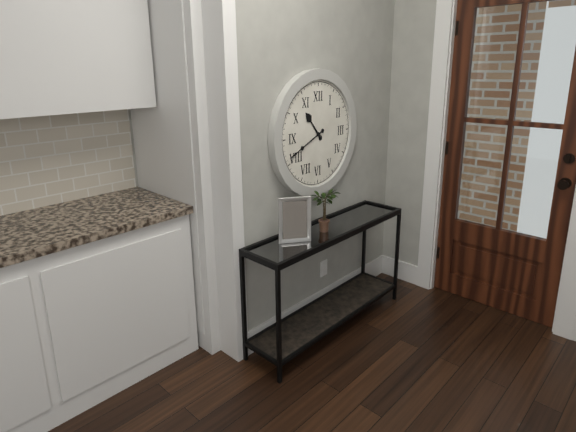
**10:41**
